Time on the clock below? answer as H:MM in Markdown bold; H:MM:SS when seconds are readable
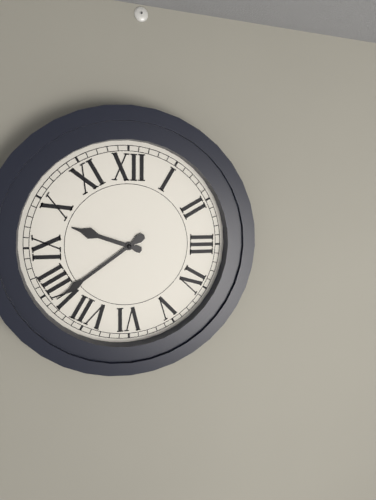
**9:39**
